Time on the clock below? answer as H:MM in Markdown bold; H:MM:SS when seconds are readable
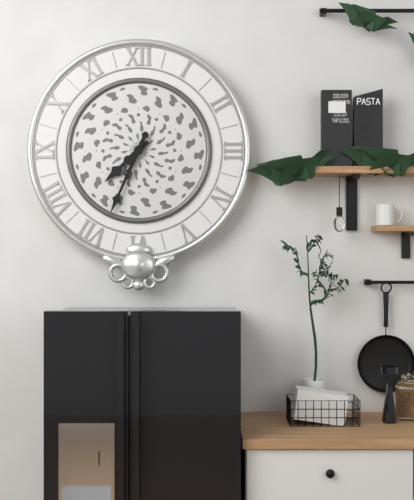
**7:34**
